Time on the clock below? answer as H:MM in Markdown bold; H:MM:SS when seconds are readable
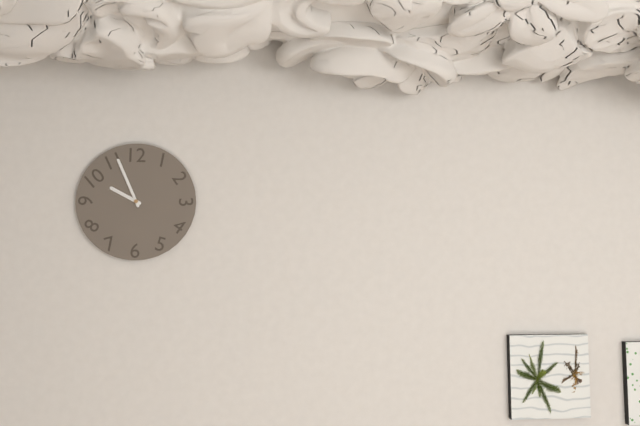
**9:56**
